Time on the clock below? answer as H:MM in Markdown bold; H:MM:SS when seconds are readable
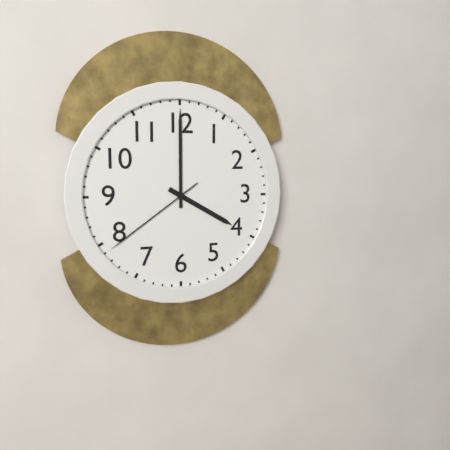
**4:00:39**
